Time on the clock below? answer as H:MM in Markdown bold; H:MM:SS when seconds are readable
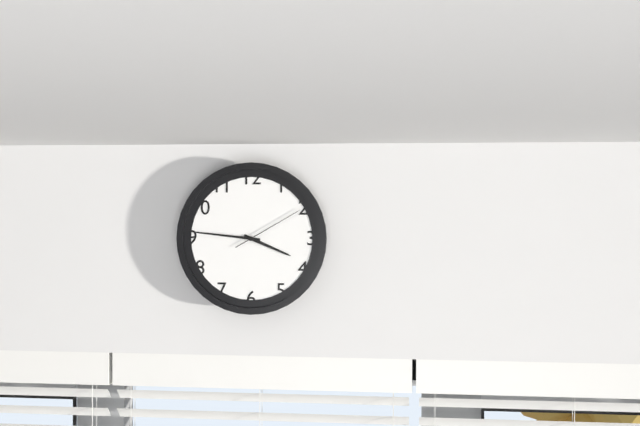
**3:46:10**
